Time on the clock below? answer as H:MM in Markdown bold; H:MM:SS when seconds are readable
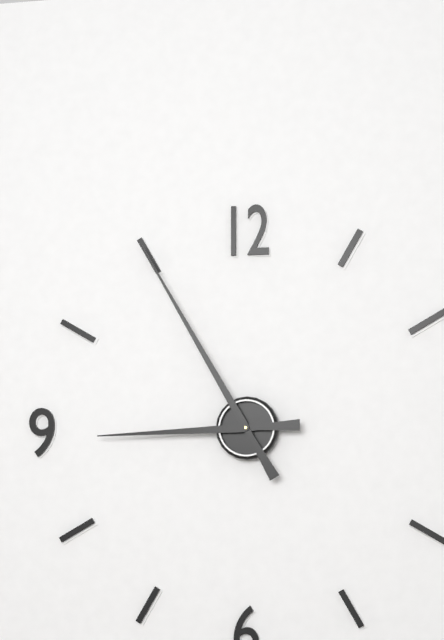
**8:55**
